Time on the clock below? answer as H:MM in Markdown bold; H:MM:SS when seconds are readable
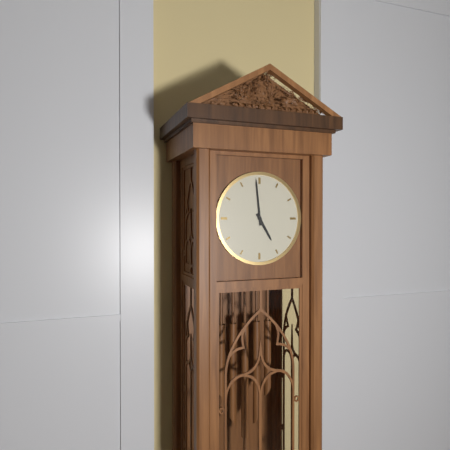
**4:59**
